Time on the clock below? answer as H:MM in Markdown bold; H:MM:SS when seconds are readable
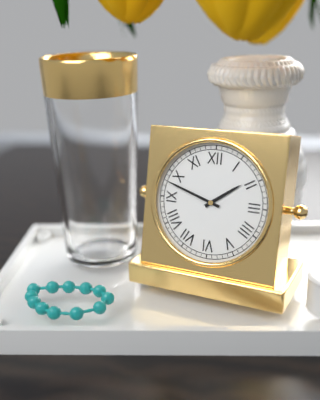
**1:48**
